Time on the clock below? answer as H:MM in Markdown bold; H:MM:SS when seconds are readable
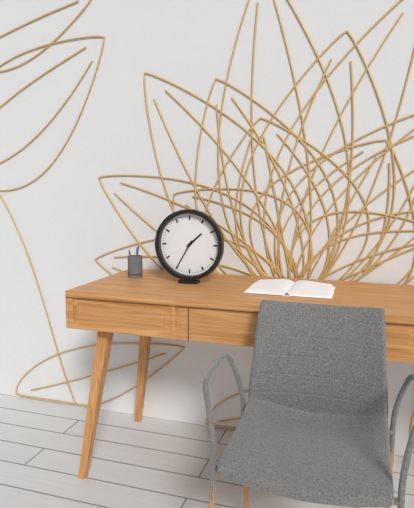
**1:35**
